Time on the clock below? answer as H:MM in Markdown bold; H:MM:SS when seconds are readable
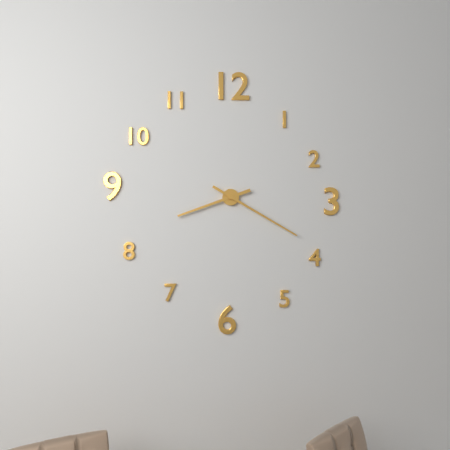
**8:20**
